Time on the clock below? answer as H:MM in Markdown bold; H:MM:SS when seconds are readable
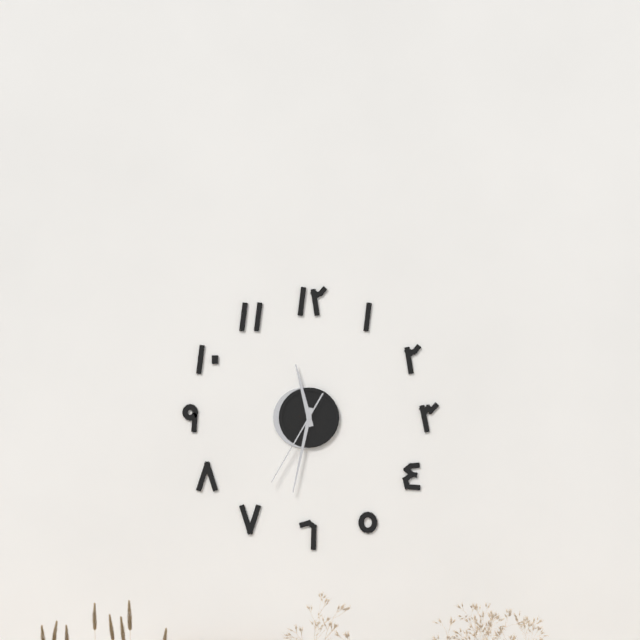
**11:32:35**
